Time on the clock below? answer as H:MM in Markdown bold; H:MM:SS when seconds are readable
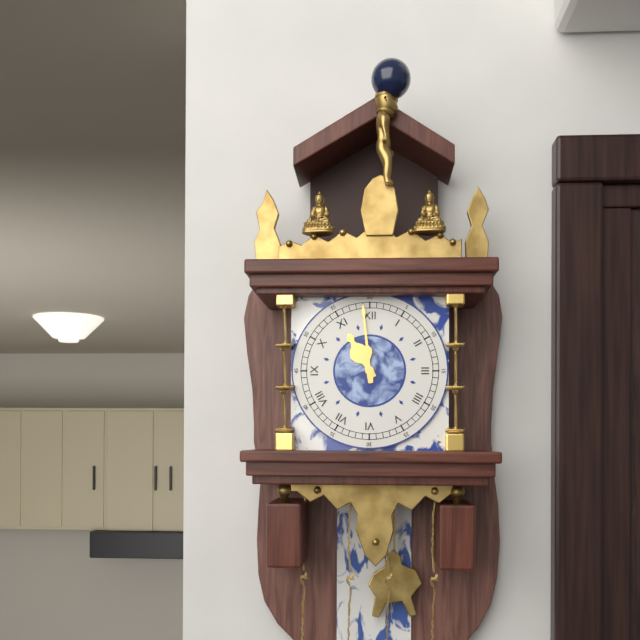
**10:59**
